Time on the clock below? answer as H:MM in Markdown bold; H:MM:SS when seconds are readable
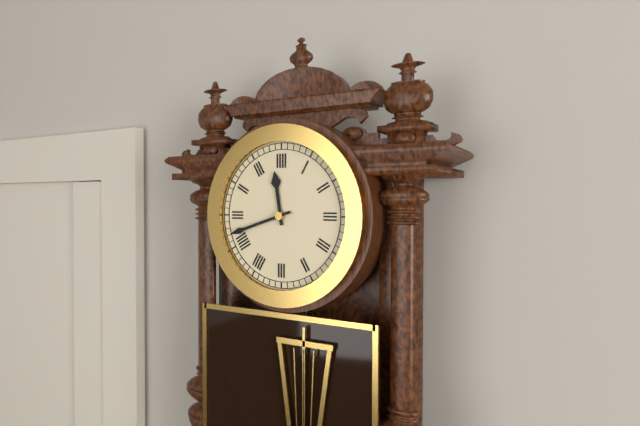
**11:42**
